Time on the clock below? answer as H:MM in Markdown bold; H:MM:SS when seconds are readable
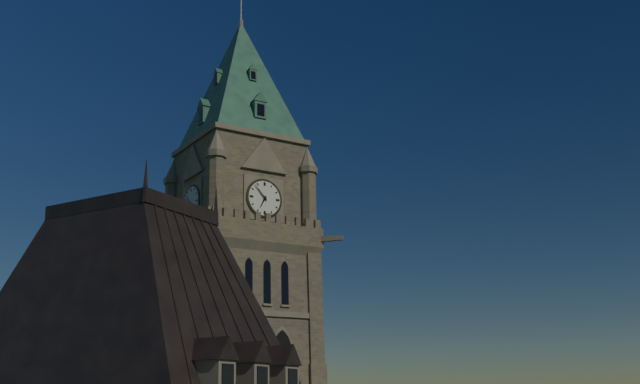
**6:53**
